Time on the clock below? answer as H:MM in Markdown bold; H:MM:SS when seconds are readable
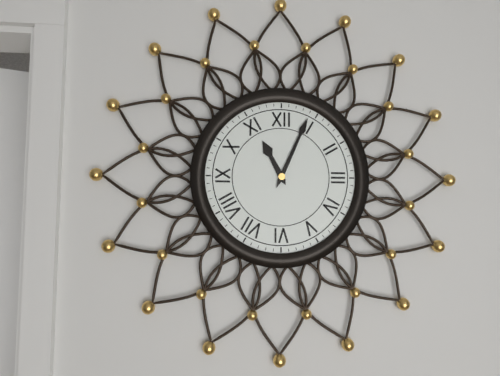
**11:04**
